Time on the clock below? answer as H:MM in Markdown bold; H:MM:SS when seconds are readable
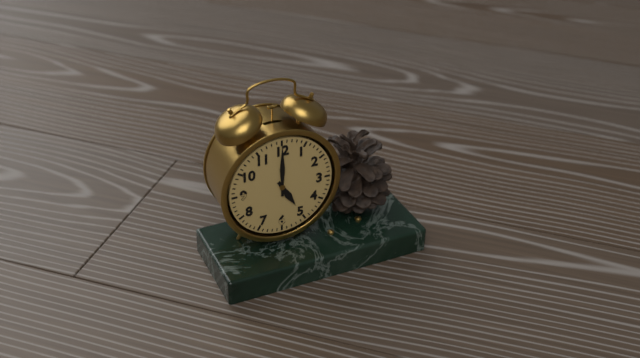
**5:00**
